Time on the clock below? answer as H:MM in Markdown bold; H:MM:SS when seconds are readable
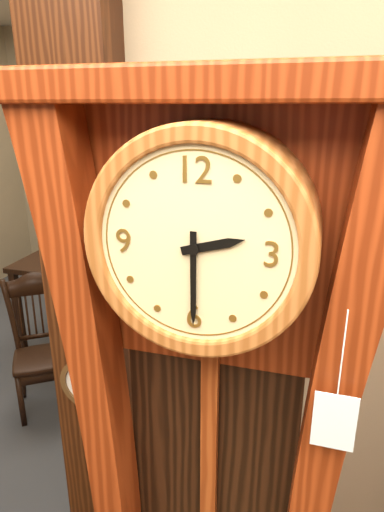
**2:30**
